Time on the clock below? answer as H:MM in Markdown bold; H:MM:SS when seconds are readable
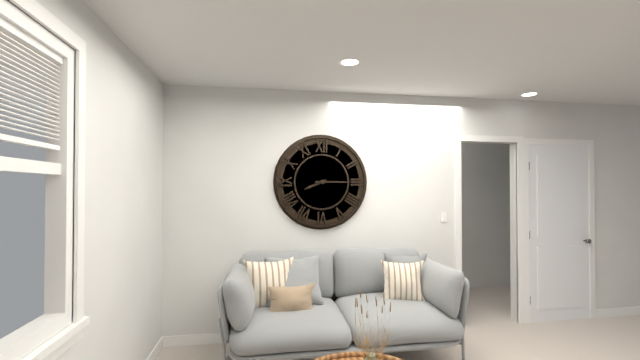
**8:15**
